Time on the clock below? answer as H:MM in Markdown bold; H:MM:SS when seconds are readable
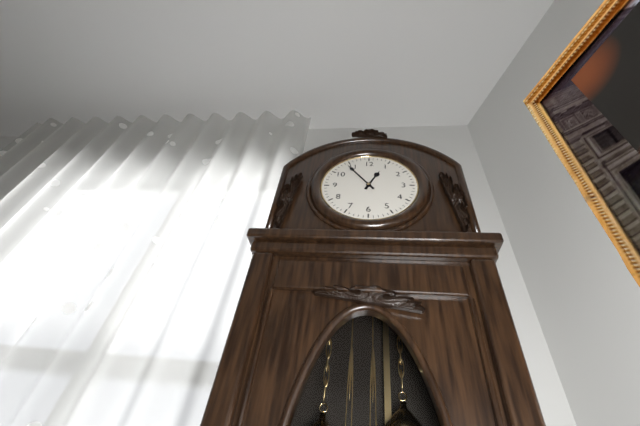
**12:54**
